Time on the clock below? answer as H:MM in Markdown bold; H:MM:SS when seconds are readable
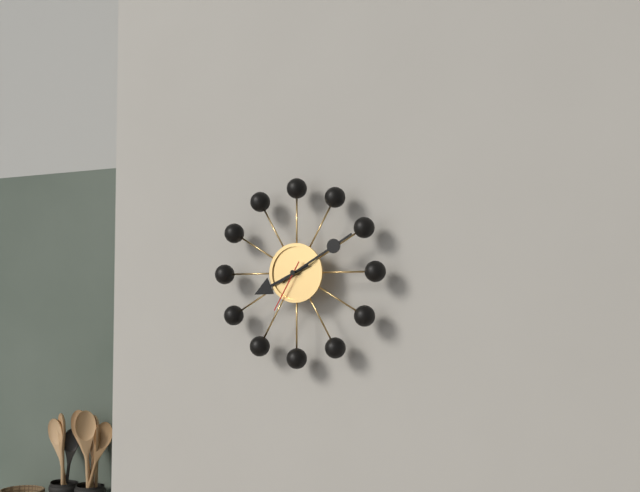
**8:10:35**
